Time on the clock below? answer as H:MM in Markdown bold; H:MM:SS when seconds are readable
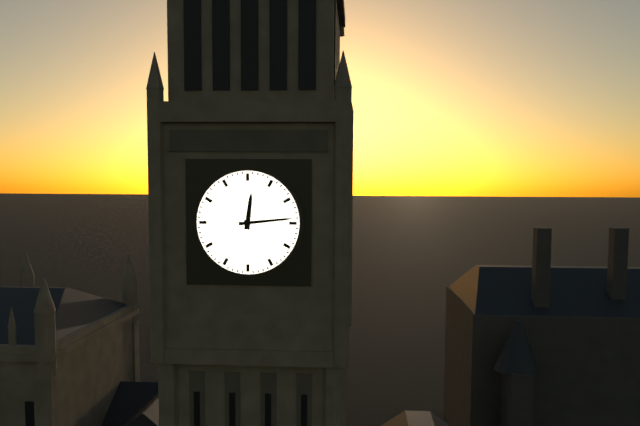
**12:14**
